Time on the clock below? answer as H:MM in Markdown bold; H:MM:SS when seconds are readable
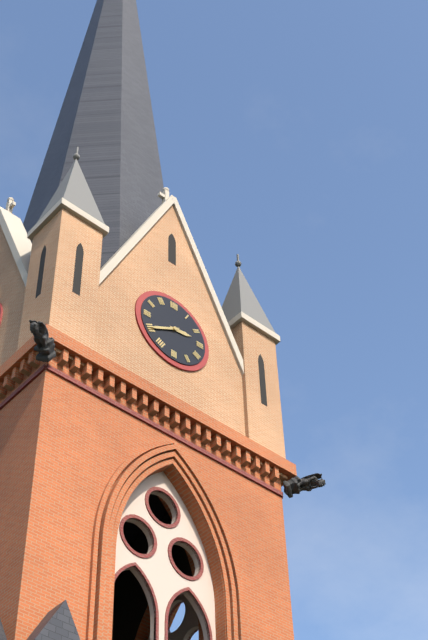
**2:40**
